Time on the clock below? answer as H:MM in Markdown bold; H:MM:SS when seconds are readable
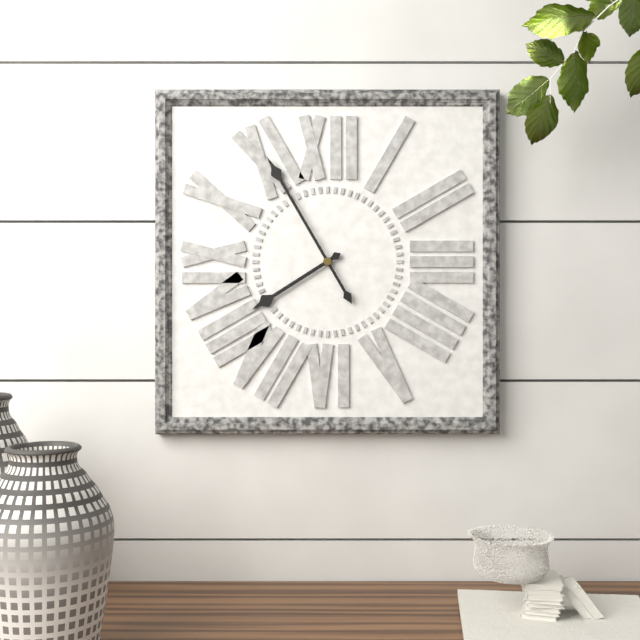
**7:55**
